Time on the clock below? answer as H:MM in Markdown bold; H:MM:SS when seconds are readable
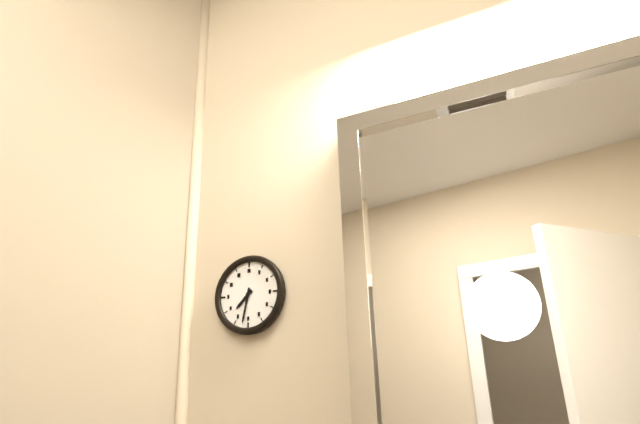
**7:32**
